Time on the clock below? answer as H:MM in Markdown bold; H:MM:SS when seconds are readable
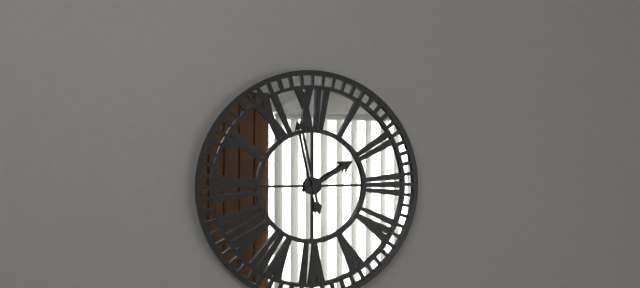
**1:58**
